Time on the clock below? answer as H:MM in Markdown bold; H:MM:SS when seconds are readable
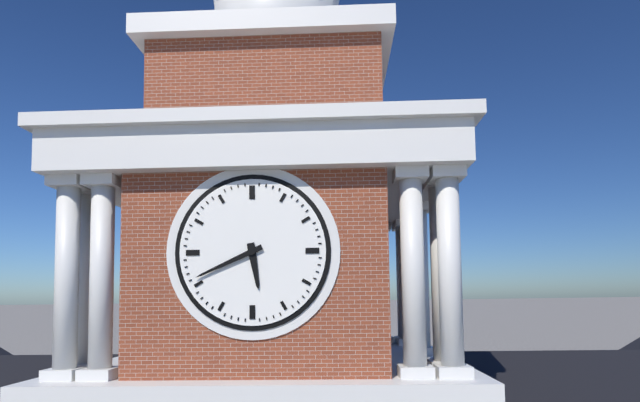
**5:41**
